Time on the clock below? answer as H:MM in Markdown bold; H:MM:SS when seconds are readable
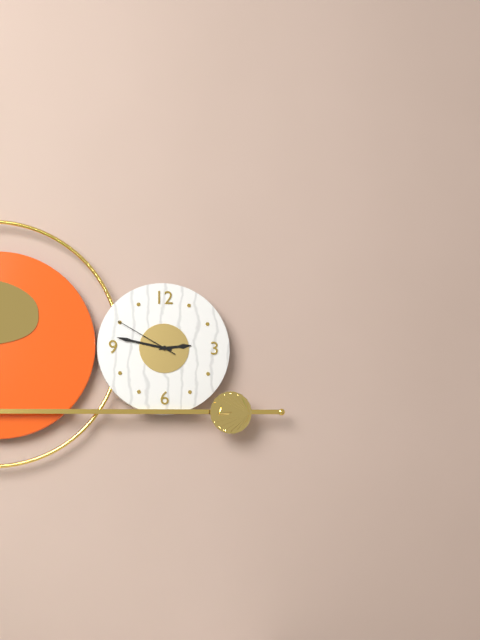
**2:47:50**
